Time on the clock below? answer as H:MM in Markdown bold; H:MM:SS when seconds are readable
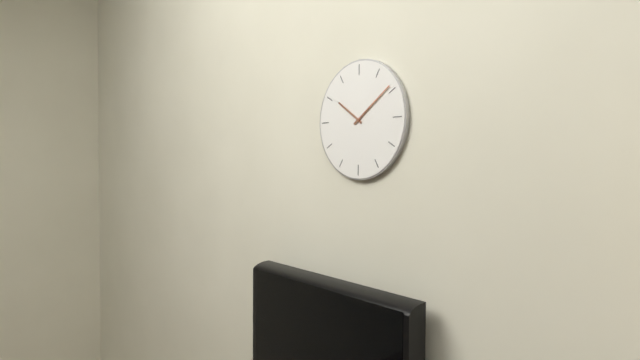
**10:09**
